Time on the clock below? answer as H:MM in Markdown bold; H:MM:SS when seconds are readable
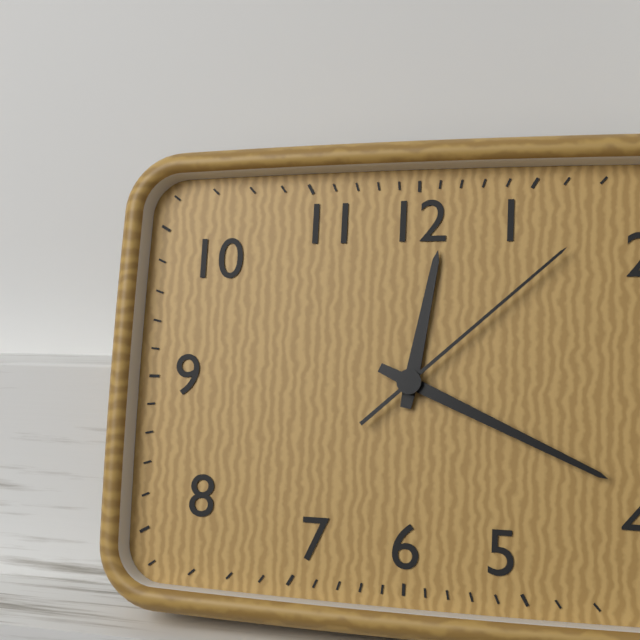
**12:19:08**
